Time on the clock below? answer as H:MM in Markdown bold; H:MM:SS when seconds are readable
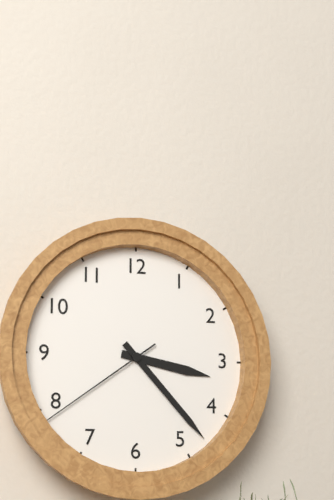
**3:23:39**
